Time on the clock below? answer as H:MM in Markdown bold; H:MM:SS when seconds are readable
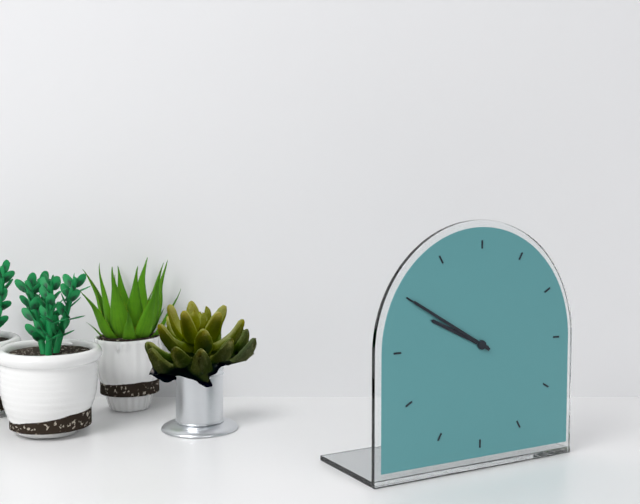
**9:50**
